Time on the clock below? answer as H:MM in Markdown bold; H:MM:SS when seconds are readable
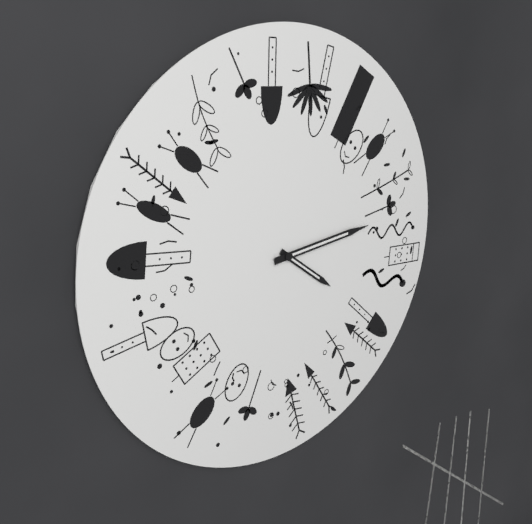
**4:14**
